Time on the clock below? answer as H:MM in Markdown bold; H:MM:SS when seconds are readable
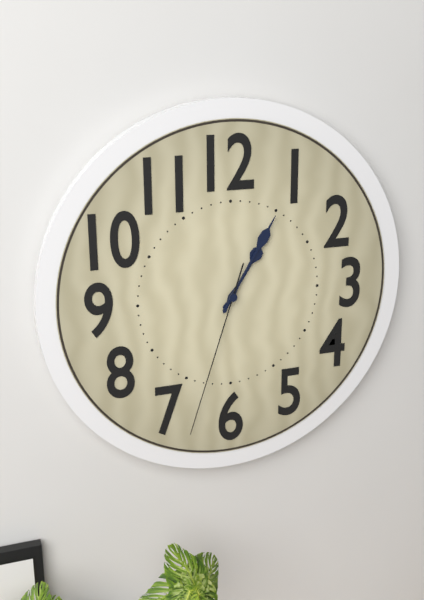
**1:05:33**
